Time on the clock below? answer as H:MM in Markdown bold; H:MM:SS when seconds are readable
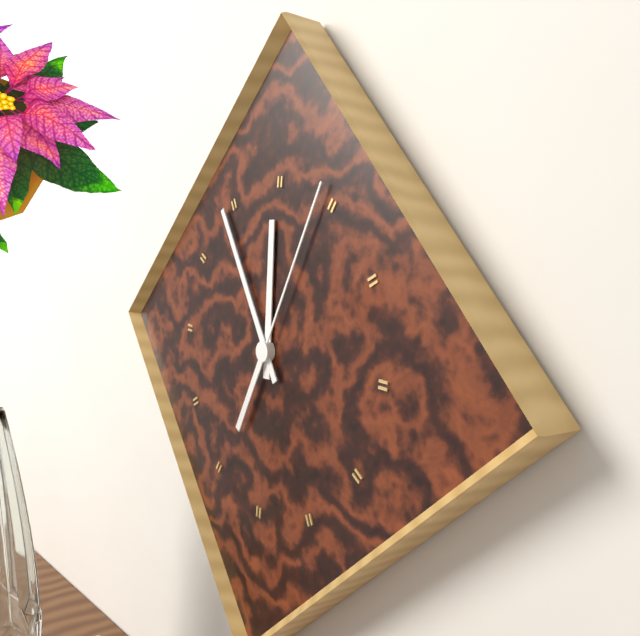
**11:54:04**
